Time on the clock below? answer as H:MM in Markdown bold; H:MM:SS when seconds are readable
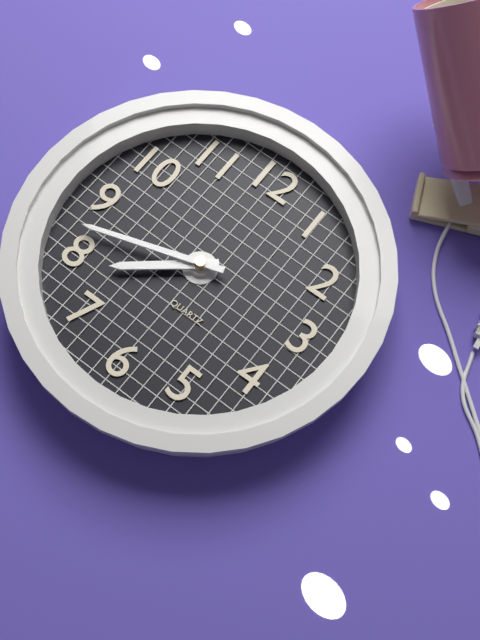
**7:42**
